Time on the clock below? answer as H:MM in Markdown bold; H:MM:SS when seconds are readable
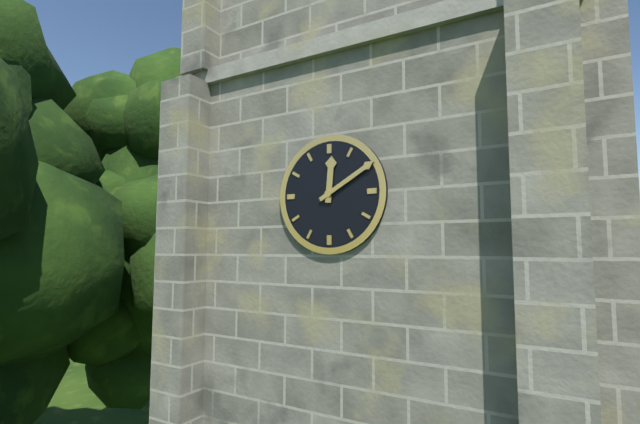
**12:10**
